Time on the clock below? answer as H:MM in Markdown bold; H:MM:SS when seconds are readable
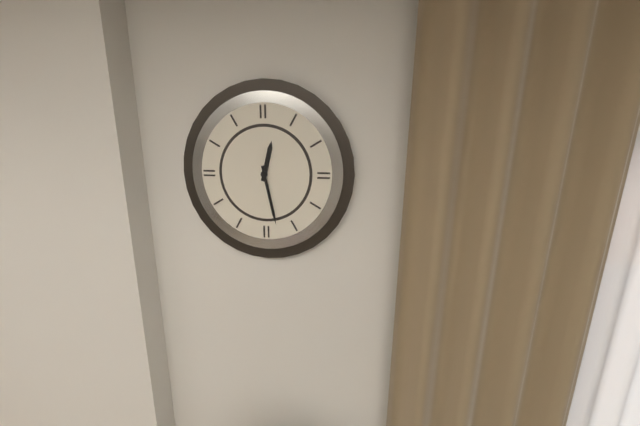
**12:28**
